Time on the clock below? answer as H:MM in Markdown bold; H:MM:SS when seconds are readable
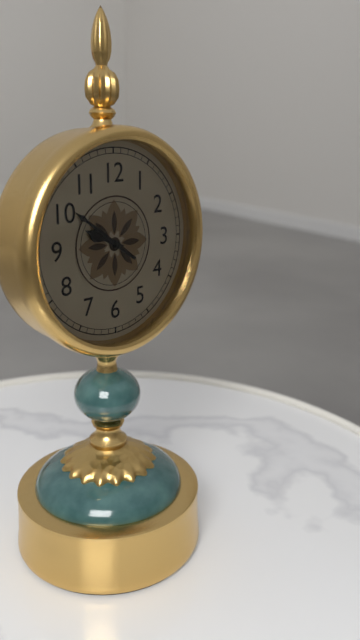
**9:51**
